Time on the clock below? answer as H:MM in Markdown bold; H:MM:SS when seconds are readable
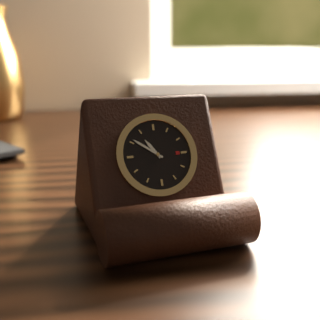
**10:51**
